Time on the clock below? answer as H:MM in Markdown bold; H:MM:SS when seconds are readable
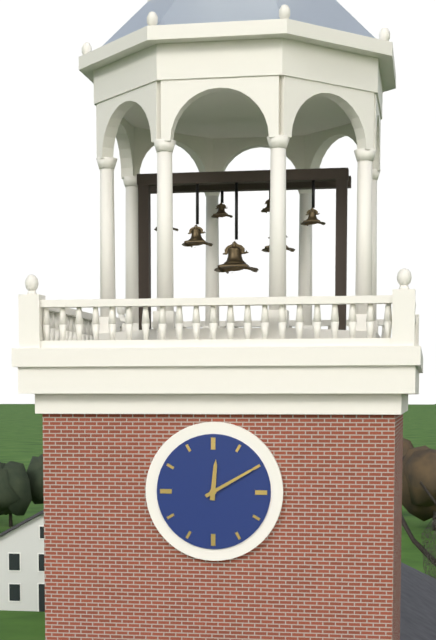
**12:10**
